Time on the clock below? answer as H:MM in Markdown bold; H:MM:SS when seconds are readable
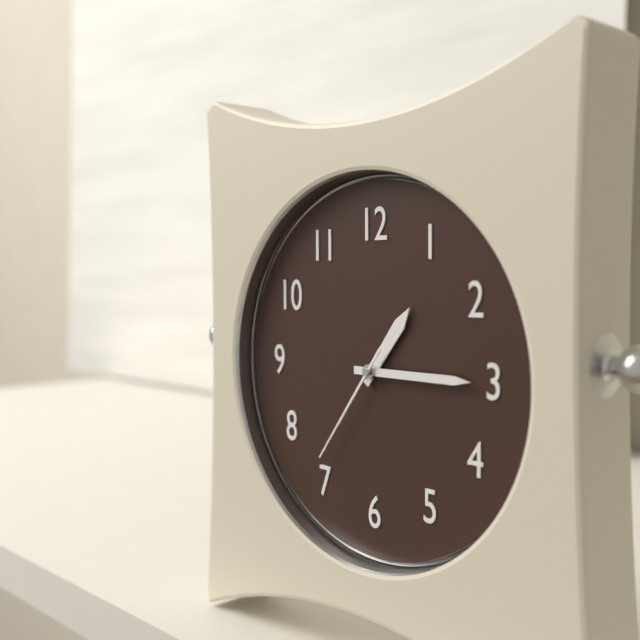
**1:15:36**
